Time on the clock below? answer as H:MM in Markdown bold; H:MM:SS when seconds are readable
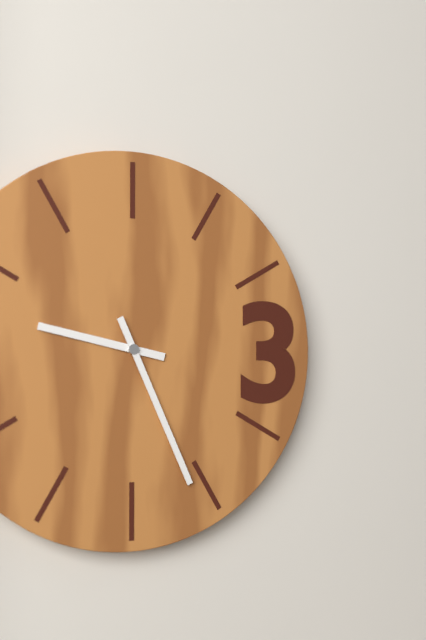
**9:26**
